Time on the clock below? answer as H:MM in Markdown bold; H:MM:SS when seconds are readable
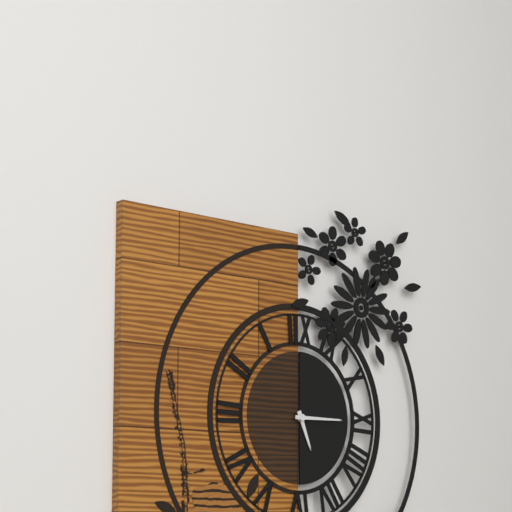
**5:15**
